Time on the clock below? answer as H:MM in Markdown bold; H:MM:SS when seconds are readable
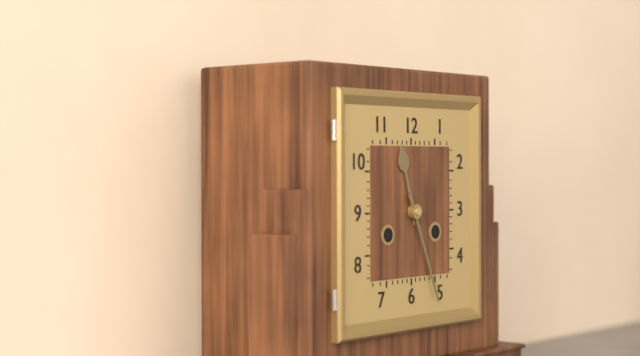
**11:26**
